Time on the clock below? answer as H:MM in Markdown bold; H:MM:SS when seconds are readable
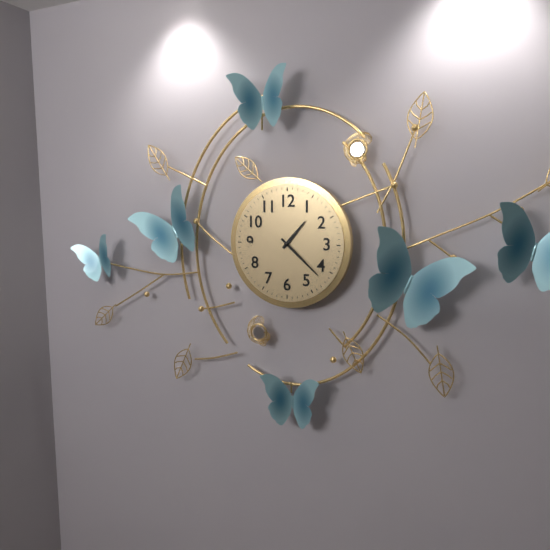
**1:22**
